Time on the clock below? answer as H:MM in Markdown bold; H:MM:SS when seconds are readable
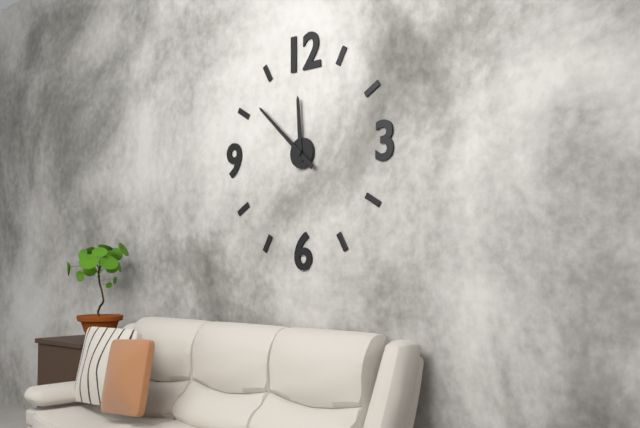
**11:52**
